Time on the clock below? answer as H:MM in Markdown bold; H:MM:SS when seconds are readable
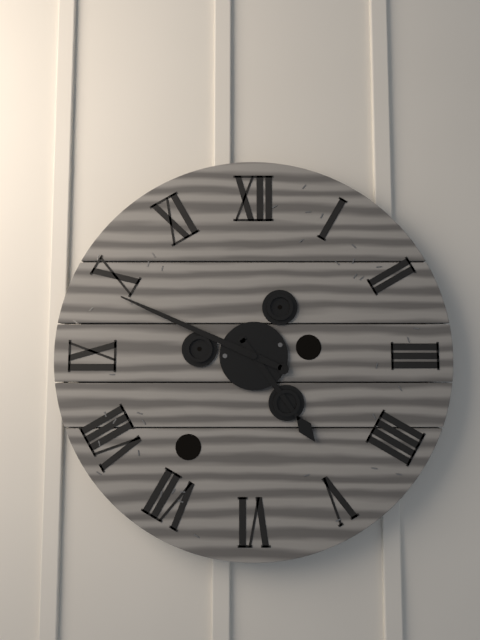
**4:49**
